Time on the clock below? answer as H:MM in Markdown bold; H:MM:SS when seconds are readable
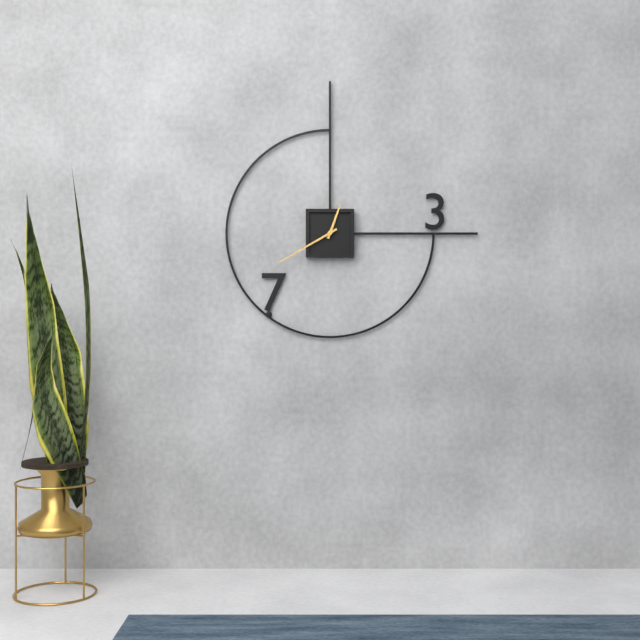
**12:40**
